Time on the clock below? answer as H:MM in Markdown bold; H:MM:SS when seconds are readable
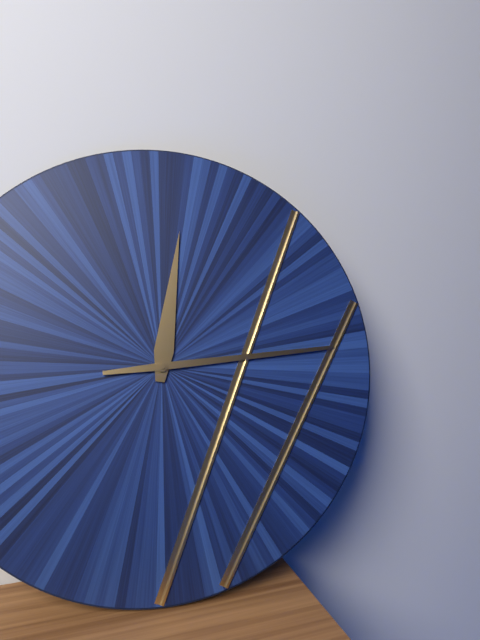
**12:14**
